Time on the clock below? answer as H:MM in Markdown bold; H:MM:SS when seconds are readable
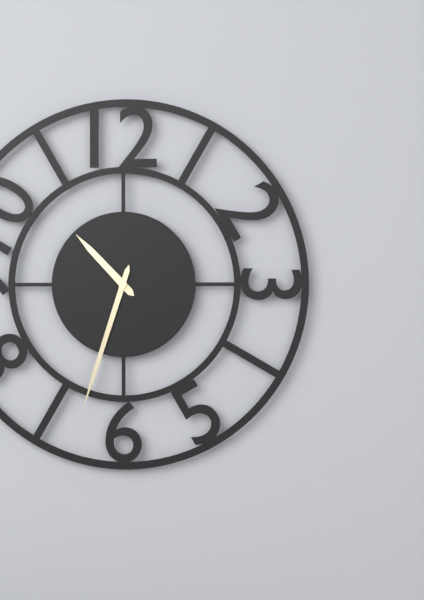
**10:33**
